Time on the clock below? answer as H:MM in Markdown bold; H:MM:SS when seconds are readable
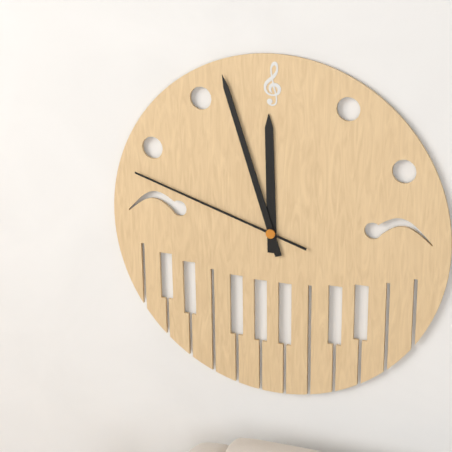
**11:57:48**
